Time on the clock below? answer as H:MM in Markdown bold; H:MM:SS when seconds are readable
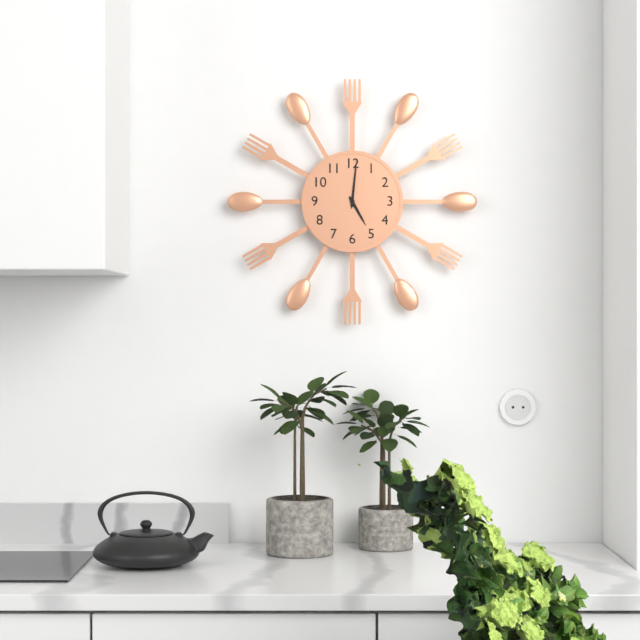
**5:01**
